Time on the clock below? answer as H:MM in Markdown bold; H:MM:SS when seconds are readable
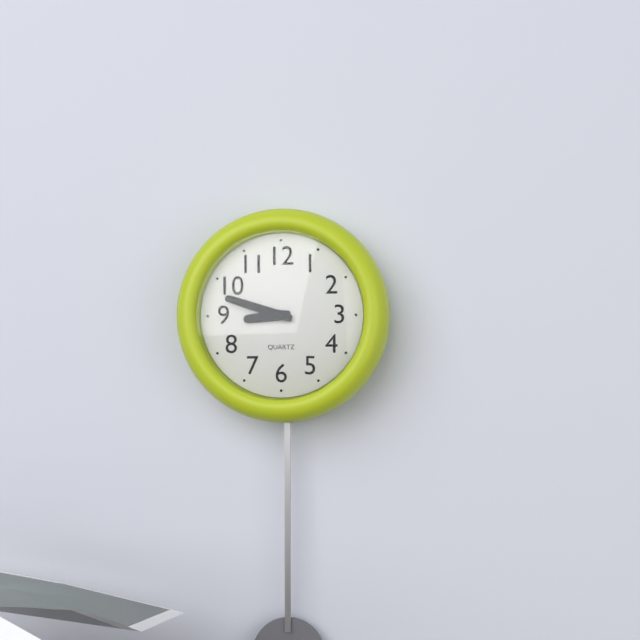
**8:48**
